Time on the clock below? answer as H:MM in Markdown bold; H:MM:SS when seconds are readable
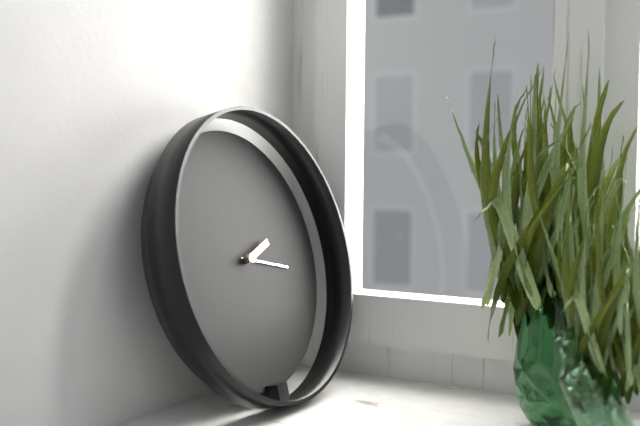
**2:17**
